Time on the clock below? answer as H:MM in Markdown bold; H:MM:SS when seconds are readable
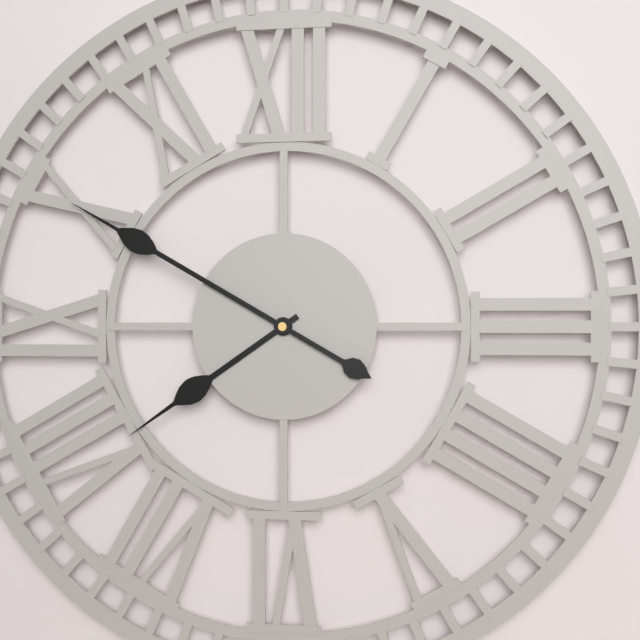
**7:50**
